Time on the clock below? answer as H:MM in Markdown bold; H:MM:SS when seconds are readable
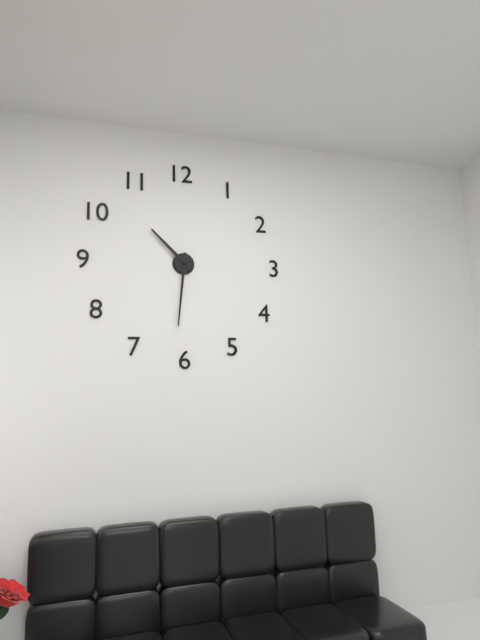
**10:31**
